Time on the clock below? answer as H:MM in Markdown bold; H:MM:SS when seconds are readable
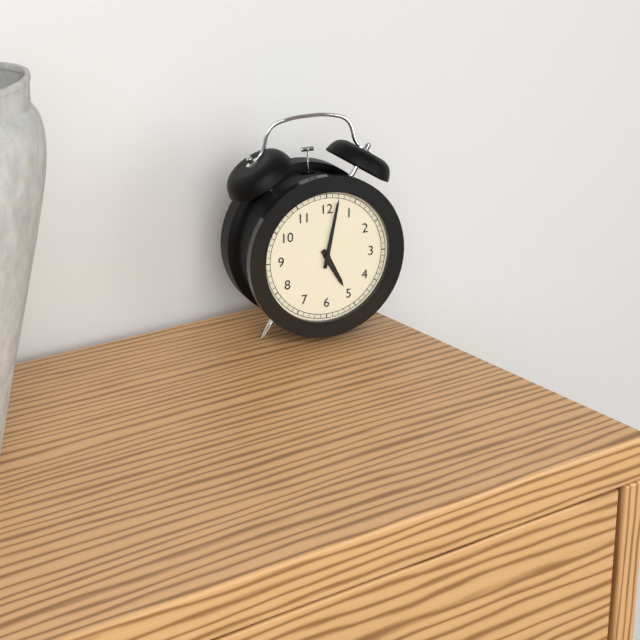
**5:02**
